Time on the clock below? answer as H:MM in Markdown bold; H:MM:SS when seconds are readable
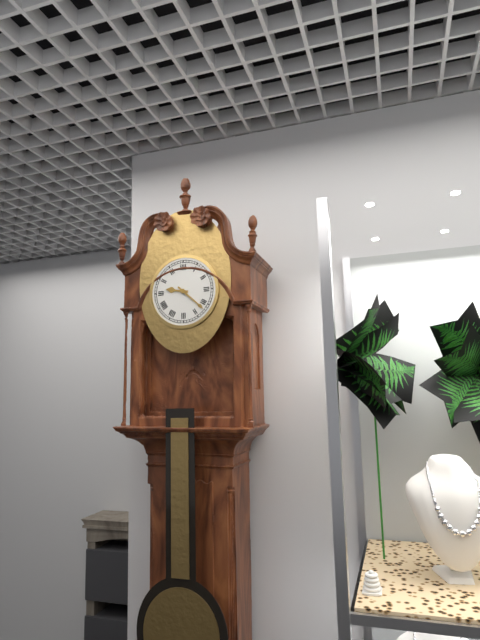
**9:22**
